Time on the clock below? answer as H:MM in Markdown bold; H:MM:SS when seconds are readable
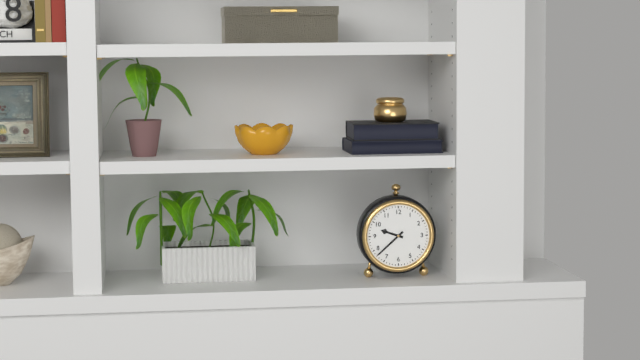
**9:38**
